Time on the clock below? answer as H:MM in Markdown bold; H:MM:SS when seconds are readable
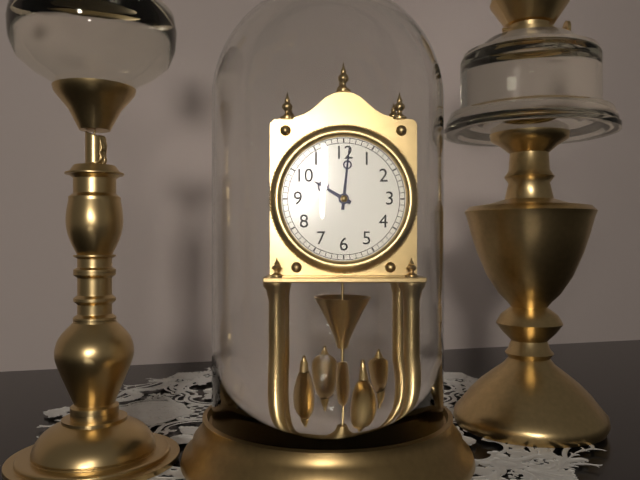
**10:01**
